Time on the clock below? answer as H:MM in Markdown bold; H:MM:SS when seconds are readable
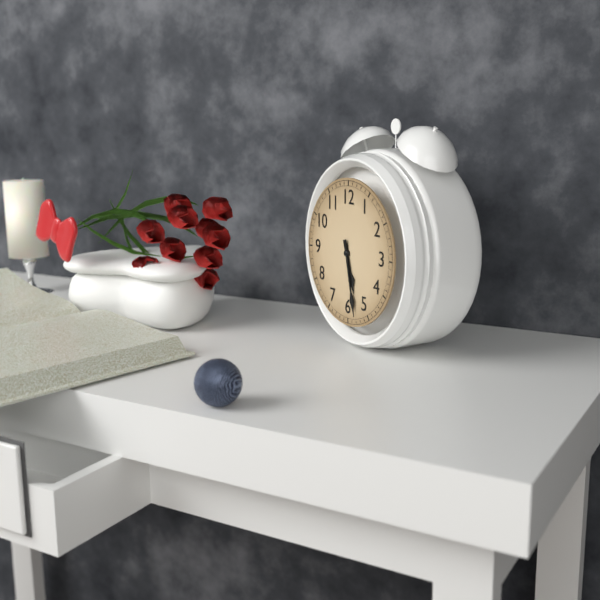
**5:28**
